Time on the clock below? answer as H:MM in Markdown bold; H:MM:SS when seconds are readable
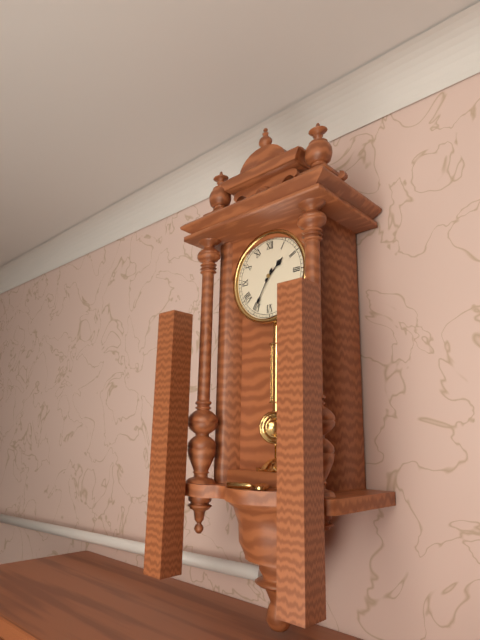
**1:35**
